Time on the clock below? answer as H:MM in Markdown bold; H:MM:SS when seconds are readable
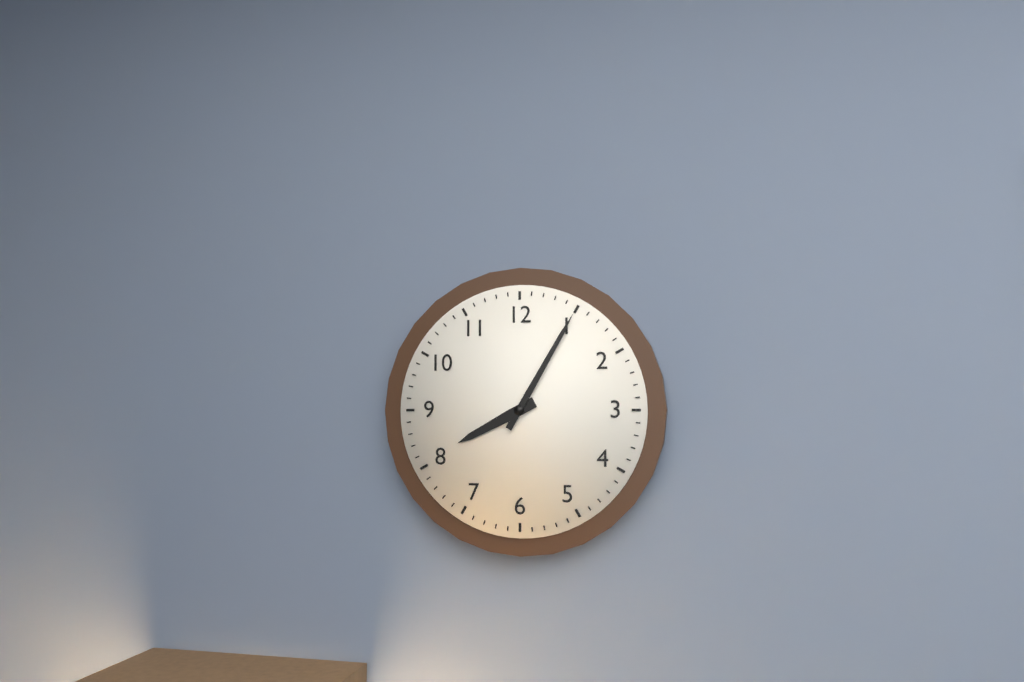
**8:05**
